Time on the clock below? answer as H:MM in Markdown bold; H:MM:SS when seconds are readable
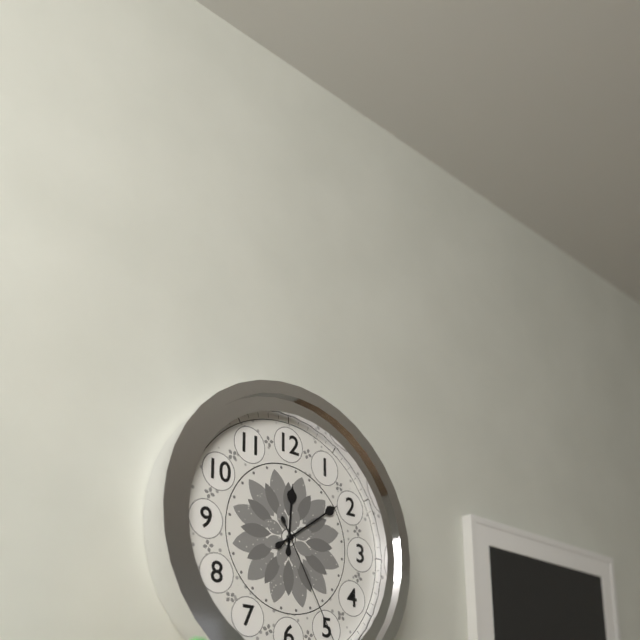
**12:09**
